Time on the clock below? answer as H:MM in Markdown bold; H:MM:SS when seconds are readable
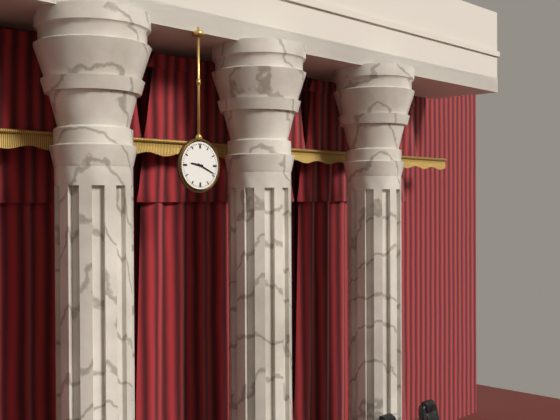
**9:19**
